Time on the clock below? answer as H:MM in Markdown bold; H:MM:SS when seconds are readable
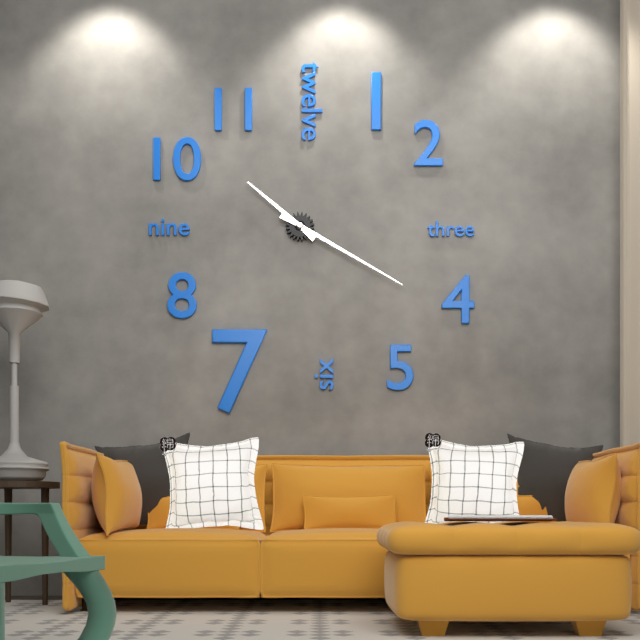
**10:20**
